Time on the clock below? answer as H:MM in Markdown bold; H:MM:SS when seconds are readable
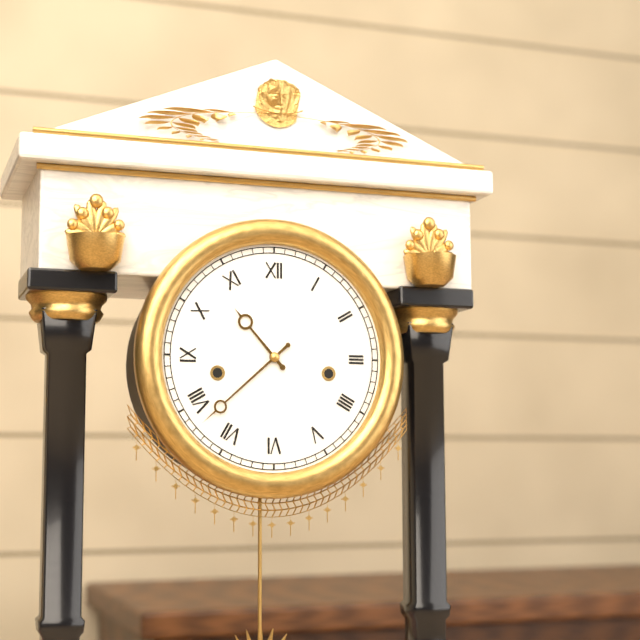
**10:38**
